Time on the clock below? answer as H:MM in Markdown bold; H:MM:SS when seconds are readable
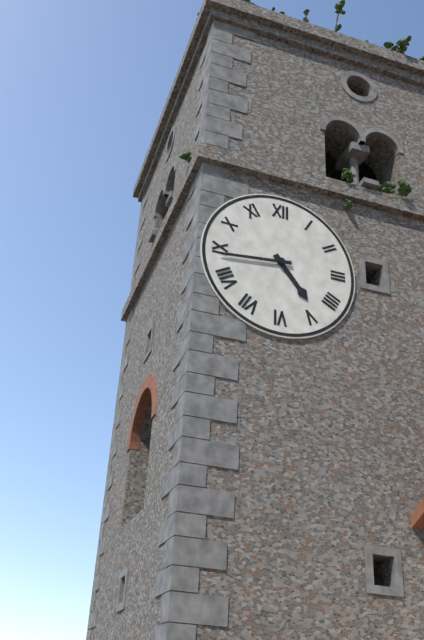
**4:44**
